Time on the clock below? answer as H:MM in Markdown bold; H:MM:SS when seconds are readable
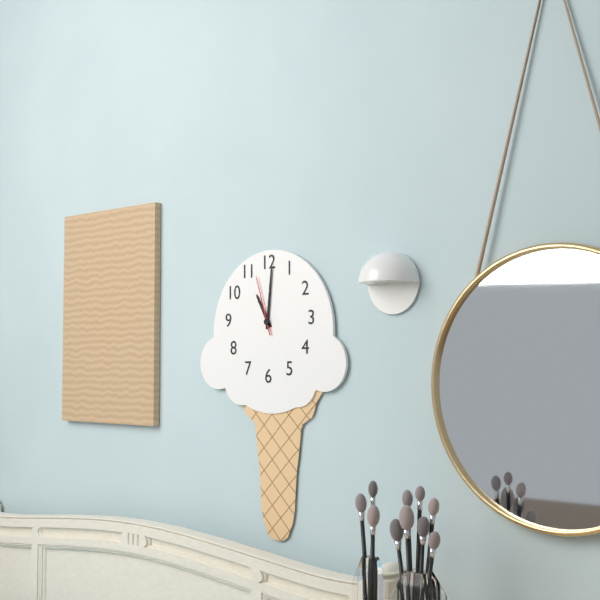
**11:01:57**
